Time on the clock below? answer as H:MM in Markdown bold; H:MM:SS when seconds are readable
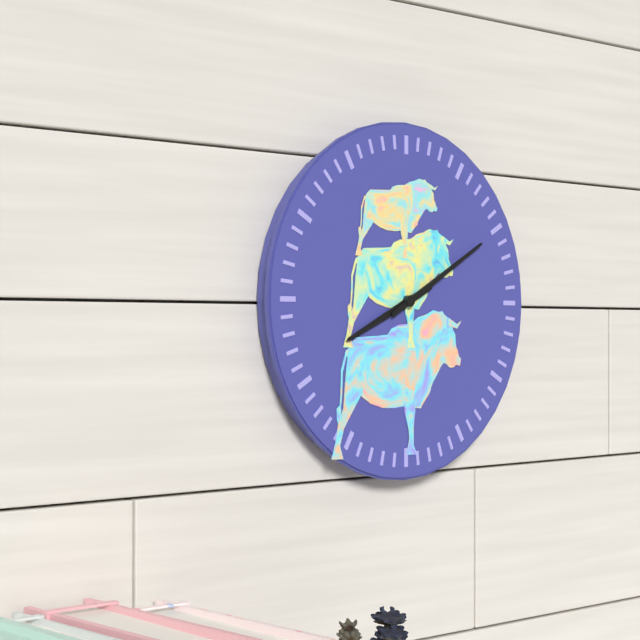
**8:10**
